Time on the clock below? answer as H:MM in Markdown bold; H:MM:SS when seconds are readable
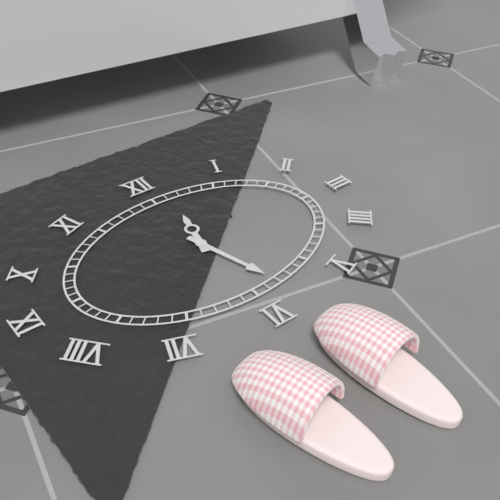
**12:27**
